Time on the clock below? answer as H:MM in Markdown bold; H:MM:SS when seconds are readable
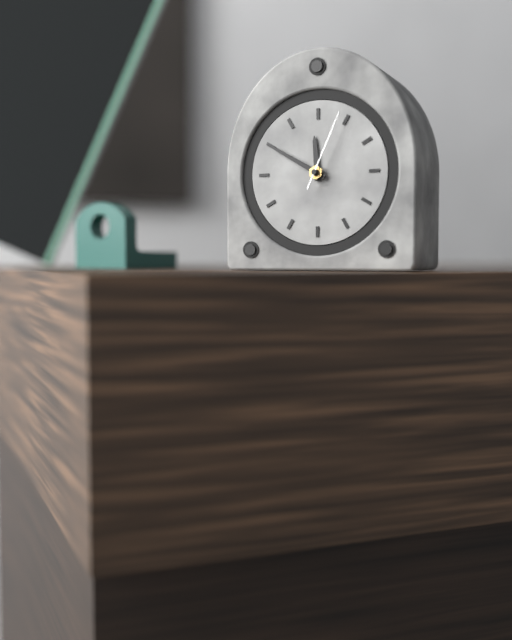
**11:50:04**
